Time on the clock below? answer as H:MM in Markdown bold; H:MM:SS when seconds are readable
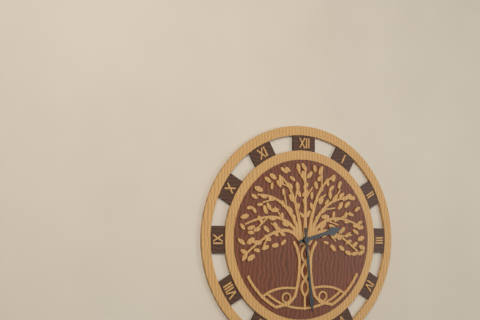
**2:29**
